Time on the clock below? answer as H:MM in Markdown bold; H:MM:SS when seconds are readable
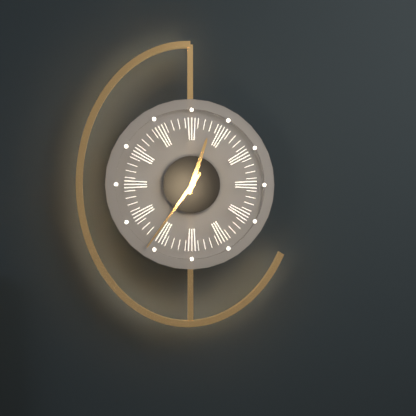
**12:36**
